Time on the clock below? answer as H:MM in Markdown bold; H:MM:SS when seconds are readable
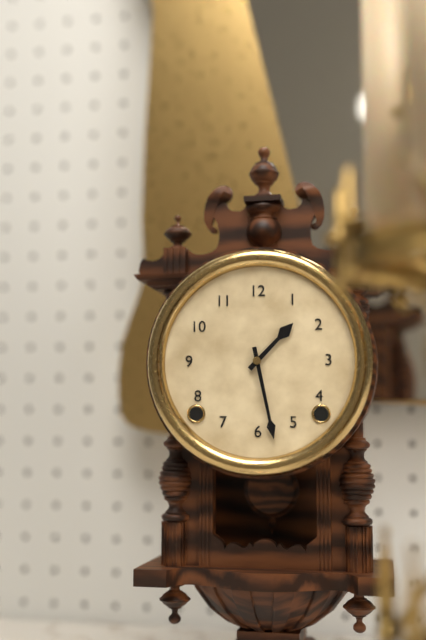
**1:28**
